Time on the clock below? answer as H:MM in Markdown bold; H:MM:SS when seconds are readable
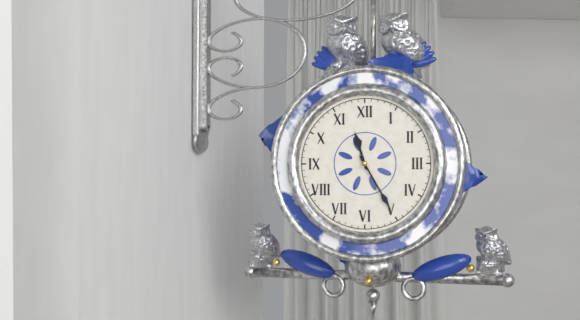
**11:25**
